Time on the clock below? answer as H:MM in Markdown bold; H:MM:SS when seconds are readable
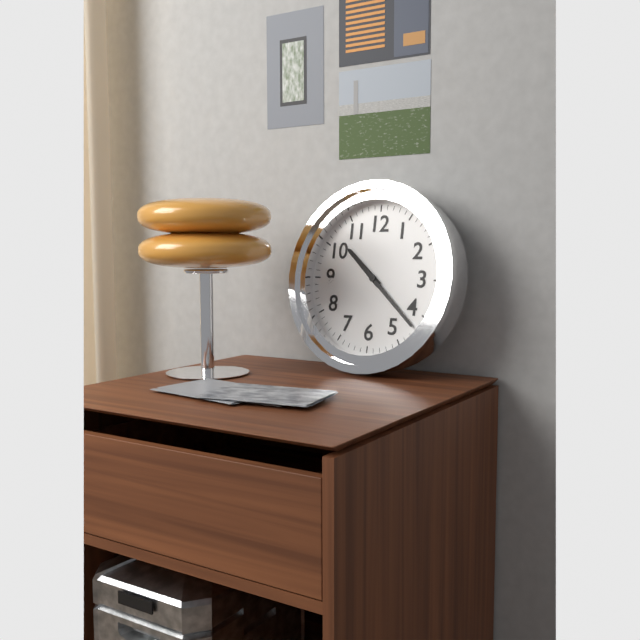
**10:22**
